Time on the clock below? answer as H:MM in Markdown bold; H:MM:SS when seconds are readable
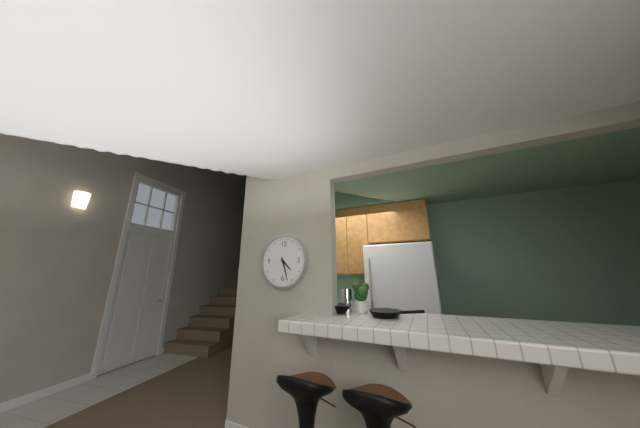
**4:27**
